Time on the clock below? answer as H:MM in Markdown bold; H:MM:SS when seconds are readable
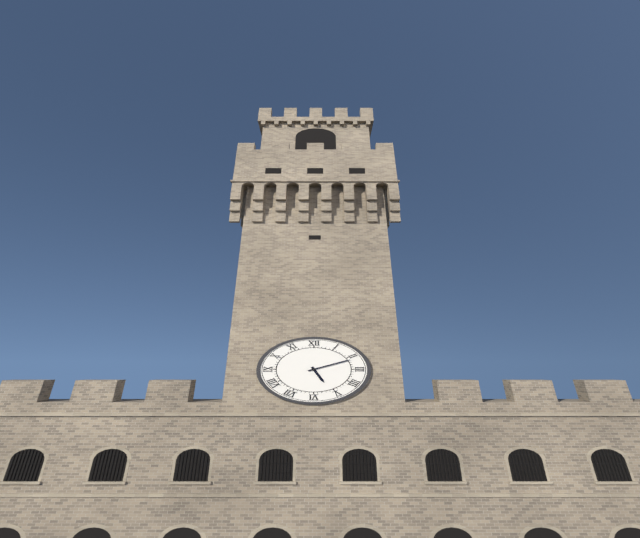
**5:11**
